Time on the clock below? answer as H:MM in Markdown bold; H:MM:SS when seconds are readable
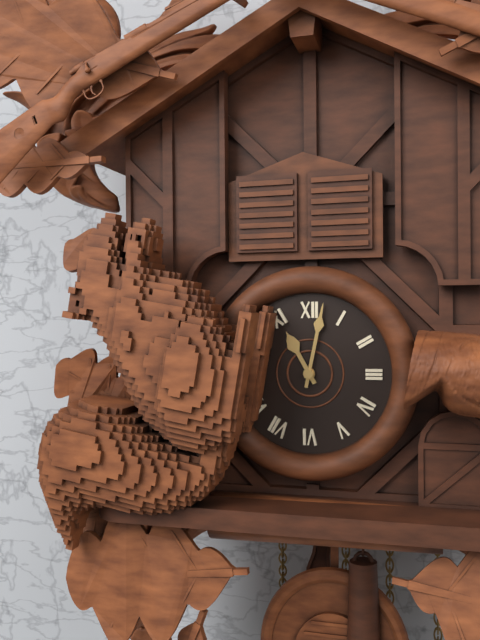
**11:02**
